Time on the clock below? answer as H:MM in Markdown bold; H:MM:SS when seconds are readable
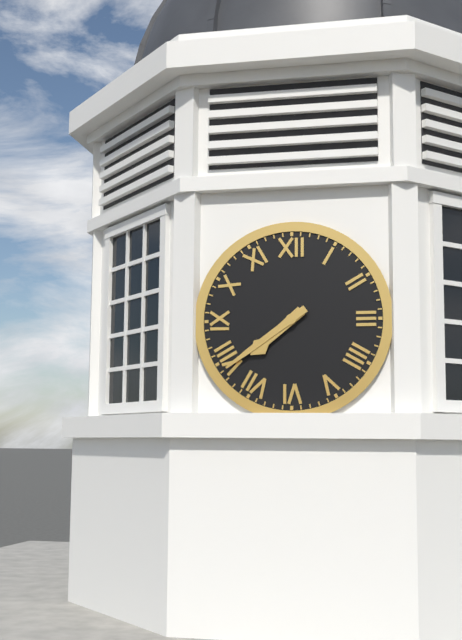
**7:39**
